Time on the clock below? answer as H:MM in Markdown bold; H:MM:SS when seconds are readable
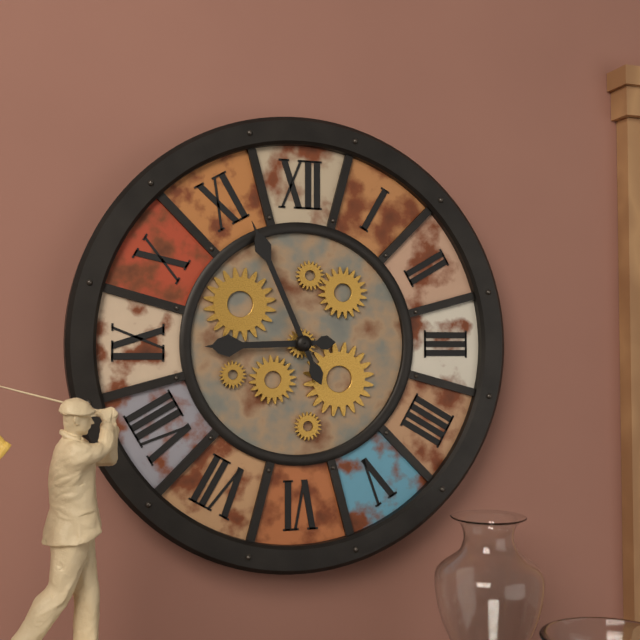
**8:56**
